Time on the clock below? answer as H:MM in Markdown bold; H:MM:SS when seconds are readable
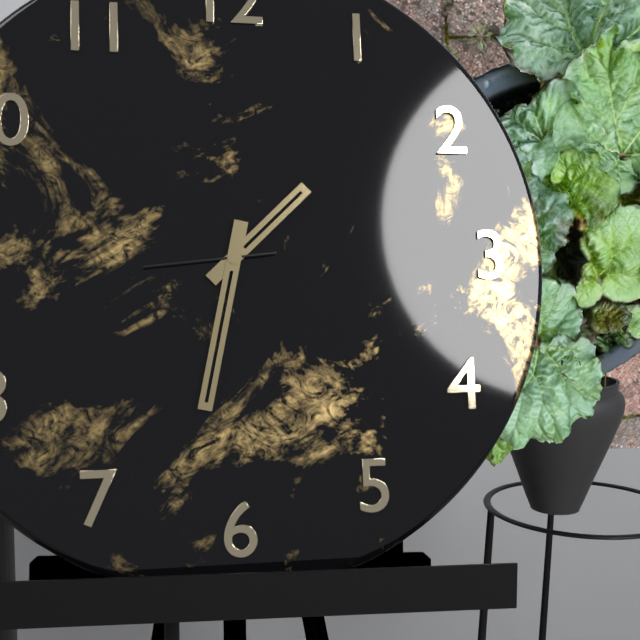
**1:32:44**
